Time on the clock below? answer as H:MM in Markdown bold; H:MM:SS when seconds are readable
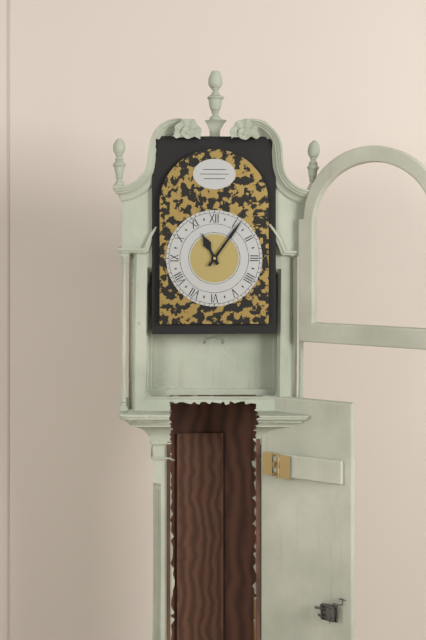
**11:06**
